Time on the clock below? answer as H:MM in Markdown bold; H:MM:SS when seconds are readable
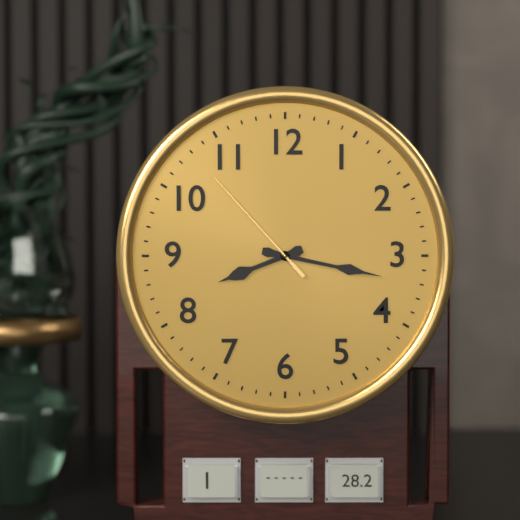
**8:17:53**
